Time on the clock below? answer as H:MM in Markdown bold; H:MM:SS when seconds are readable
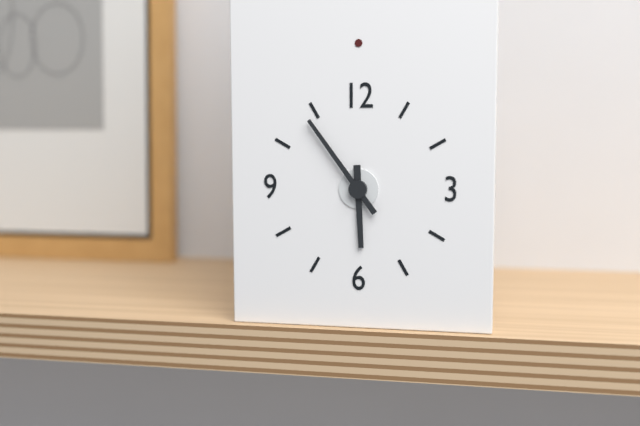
**5:54**
